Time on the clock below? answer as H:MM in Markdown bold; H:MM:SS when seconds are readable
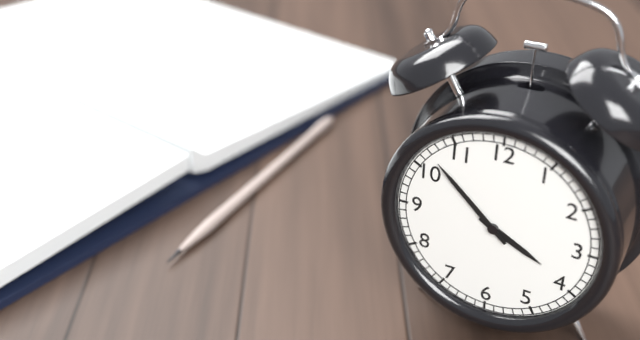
**3:52**
